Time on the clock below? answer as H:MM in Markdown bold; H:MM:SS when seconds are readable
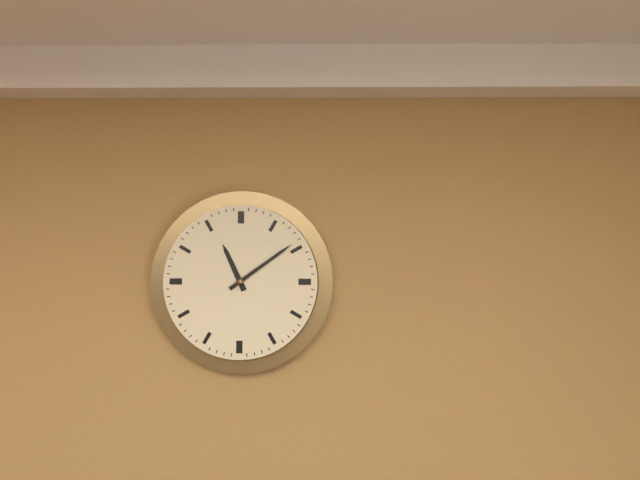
**11:09**
